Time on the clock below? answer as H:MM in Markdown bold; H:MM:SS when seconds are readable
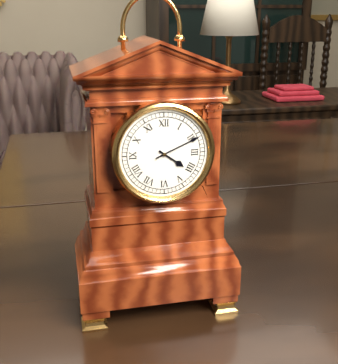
**4:11**
